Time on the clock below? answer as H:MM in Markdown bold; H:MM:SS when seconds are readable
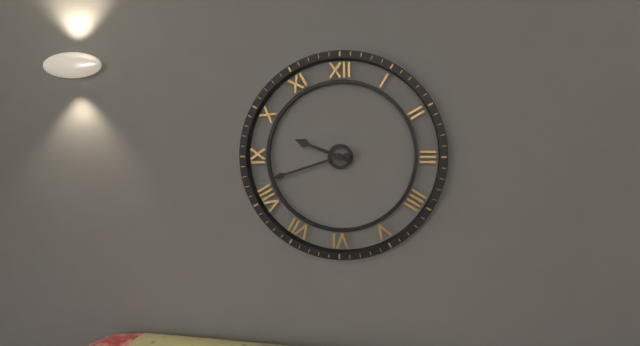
**9:42**
